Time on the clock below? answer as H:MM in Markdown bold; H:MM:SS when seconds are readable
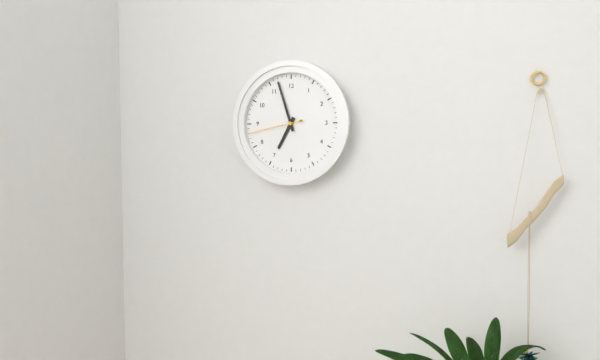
**6:57:43**
